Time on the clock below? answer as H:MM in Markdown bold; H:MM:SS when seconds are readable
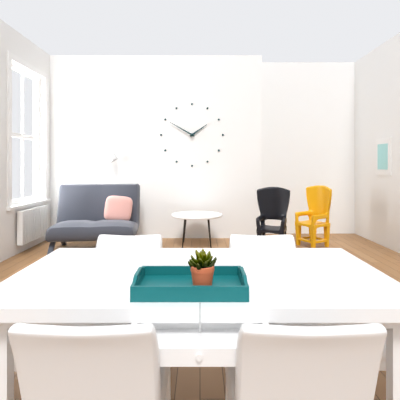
**1:50**
